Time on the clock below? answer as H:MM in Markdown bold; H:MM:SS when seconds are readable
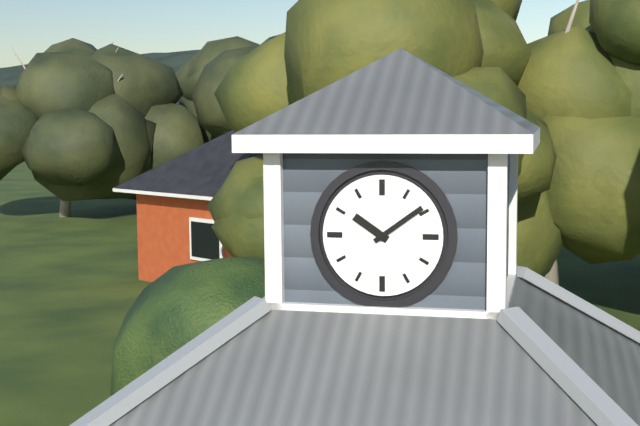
**10:09**
